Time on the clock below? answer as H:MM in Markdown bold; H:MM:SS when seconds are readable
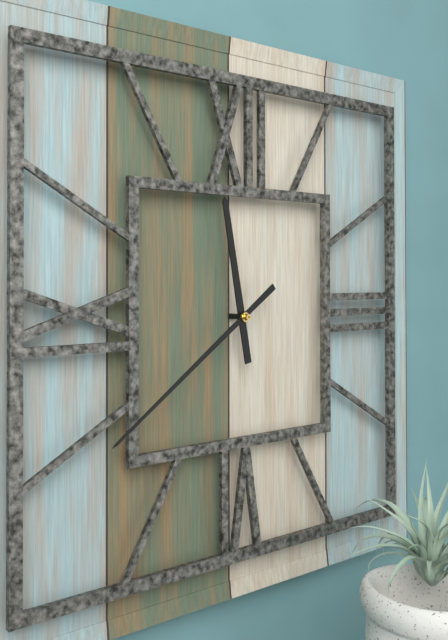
**11:39**
